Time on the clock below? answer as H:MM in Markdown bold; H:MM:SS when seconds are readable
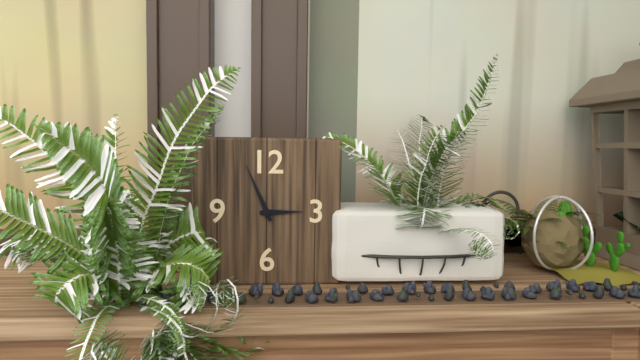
**2:56**
